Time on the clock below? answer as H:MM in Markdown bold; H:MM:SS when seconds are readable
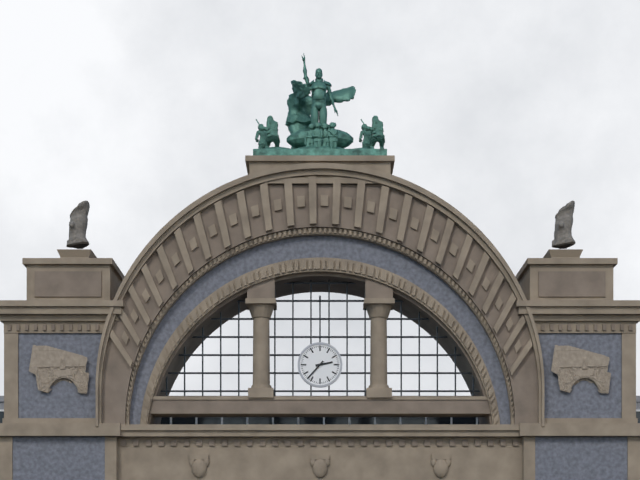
**2:37**
